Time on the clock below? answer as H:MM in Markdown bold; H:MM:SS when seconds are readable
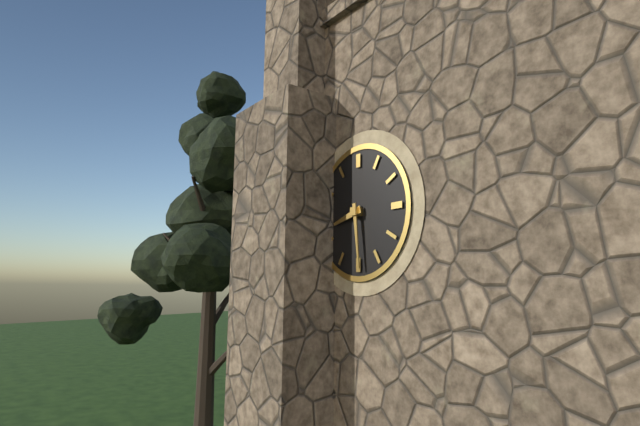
**8:29**
